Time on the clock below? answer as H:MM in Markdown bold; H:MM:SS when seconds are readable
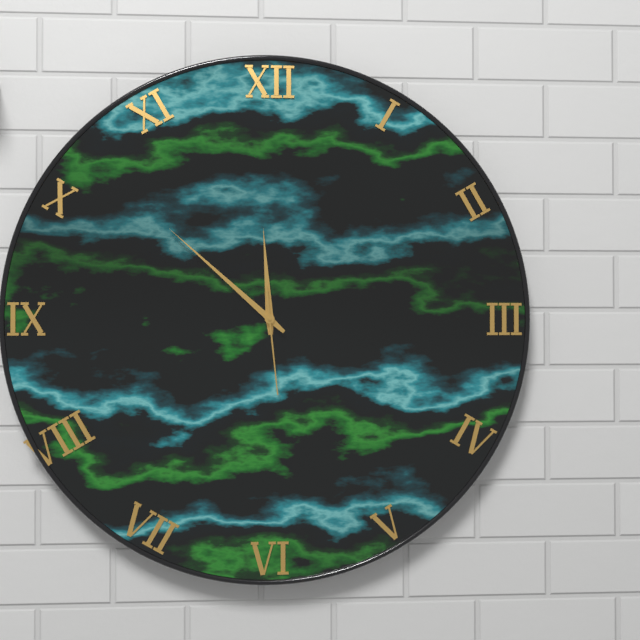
**11:52:29**
